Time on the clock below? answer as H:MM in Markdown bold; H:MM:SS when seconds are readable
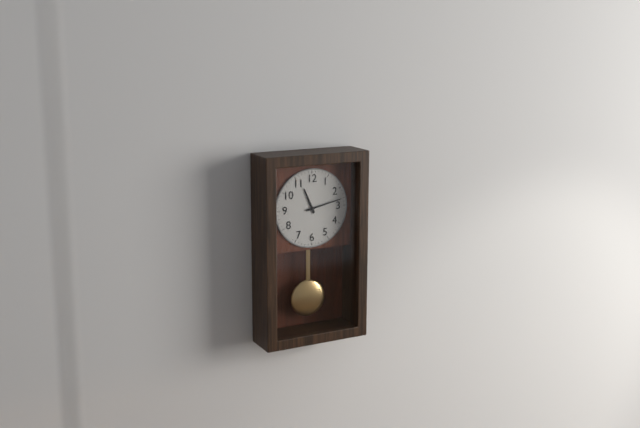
**11:13**
